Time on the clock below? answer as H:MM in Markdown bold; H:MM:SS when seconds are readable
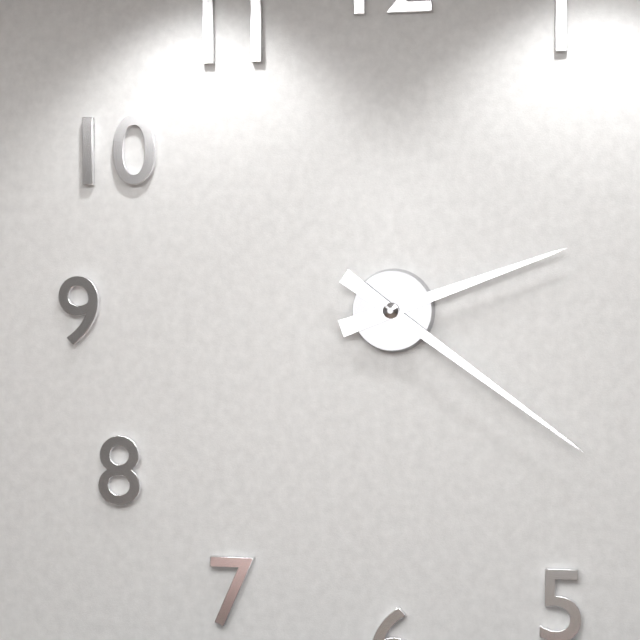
**2:21**
